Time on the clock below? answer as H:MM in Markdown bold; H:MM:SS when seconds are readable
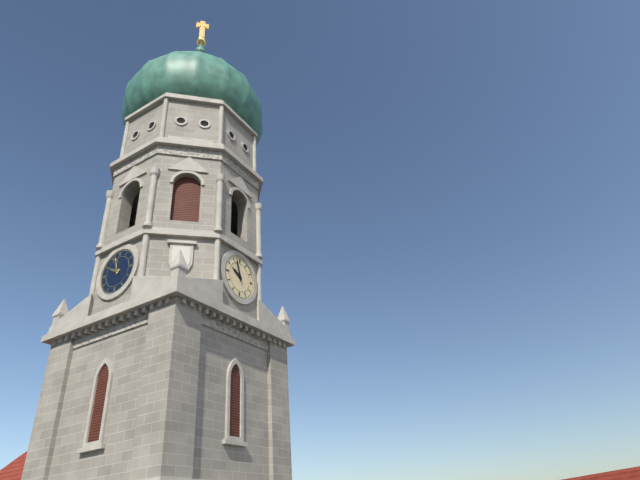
**9:57**
